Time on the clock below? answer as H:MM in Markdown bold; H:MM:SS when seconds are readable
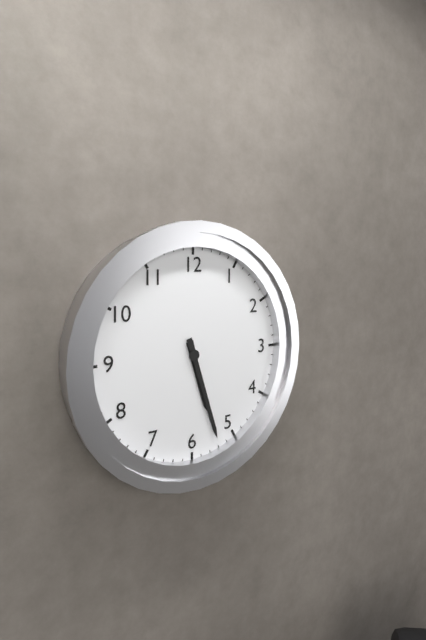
**5:27**
